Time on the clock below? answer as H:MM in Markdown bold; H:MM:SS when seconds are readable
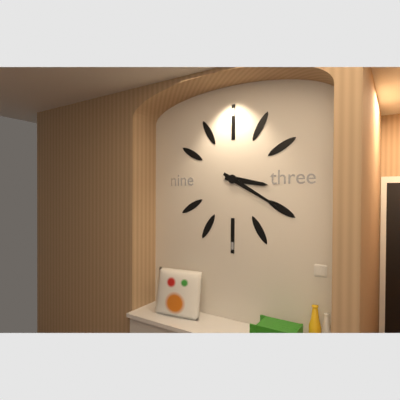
**3:20**
